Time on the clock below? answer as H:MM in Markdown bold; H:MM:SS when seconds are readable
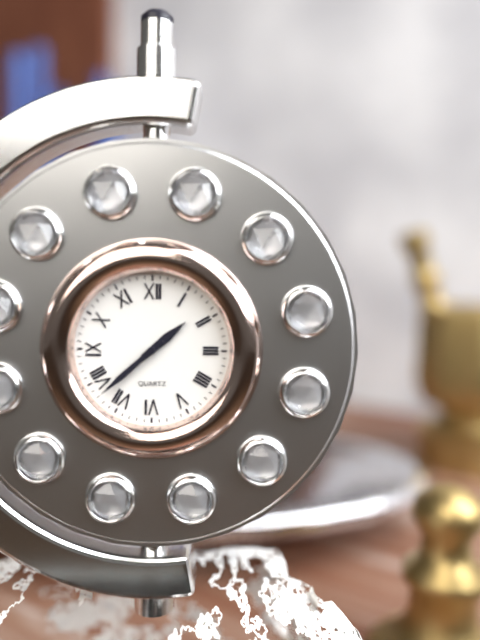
**1:38**
